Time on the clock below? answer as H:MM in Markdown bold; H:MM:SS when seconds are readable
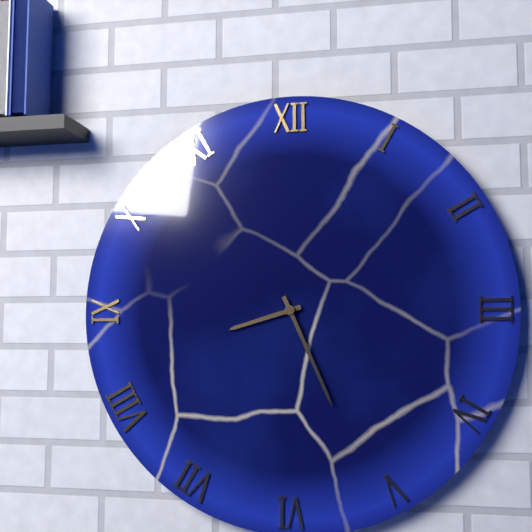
**8:26**
